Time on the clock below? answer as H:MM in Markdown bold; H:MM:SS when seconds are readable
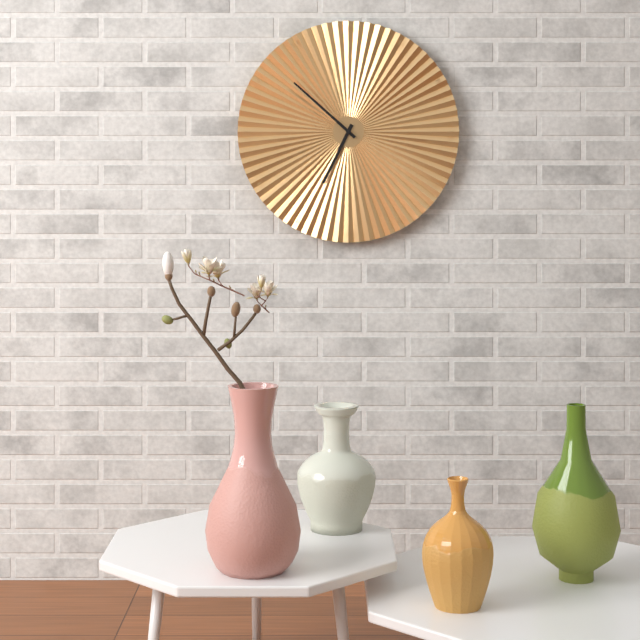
**6:52**
